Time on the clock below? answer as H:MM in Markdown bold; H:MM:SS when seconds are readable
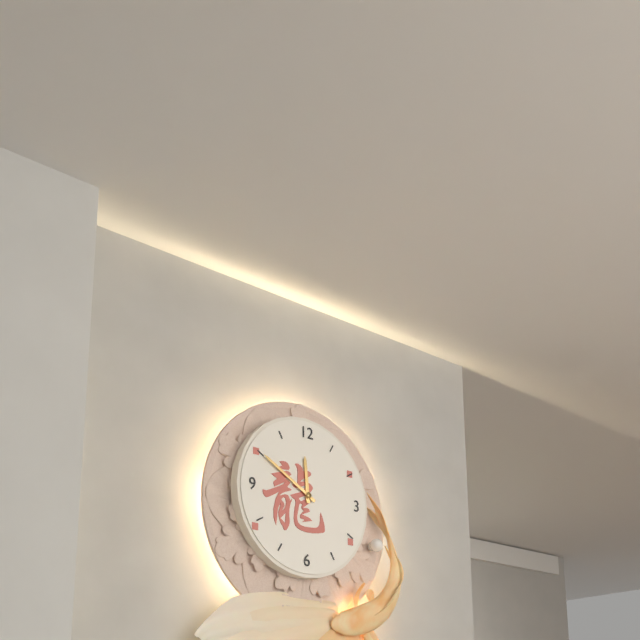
**11:50**
